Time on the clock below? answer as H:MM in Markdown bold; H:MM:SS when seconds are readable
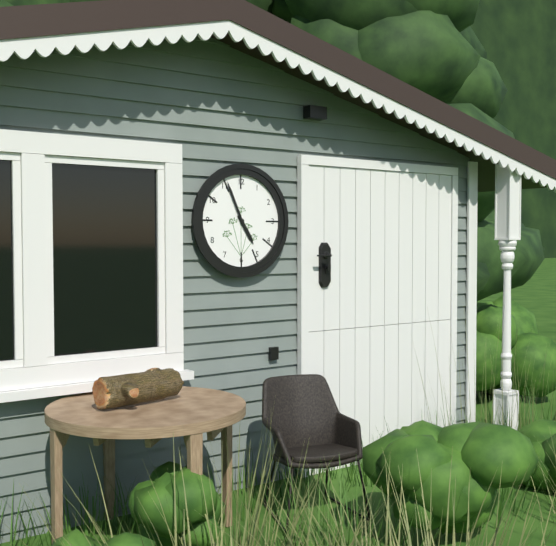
**4:56**
